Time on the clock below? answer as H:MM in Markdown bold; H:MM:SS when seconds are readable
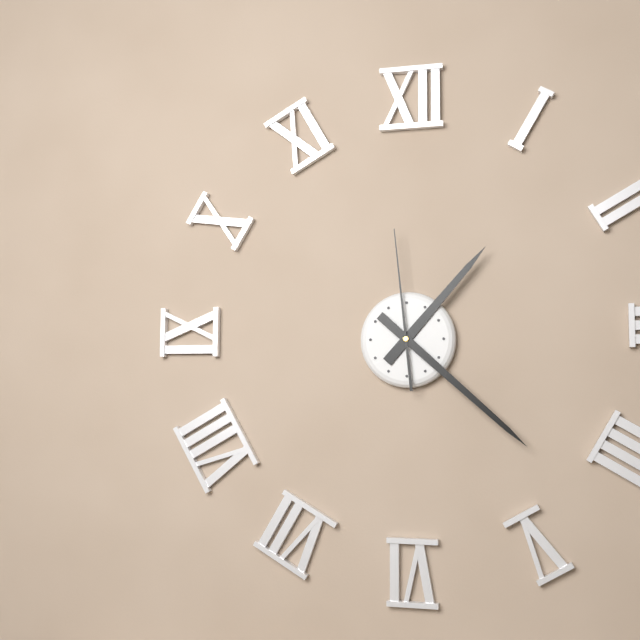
**1:22:59**
